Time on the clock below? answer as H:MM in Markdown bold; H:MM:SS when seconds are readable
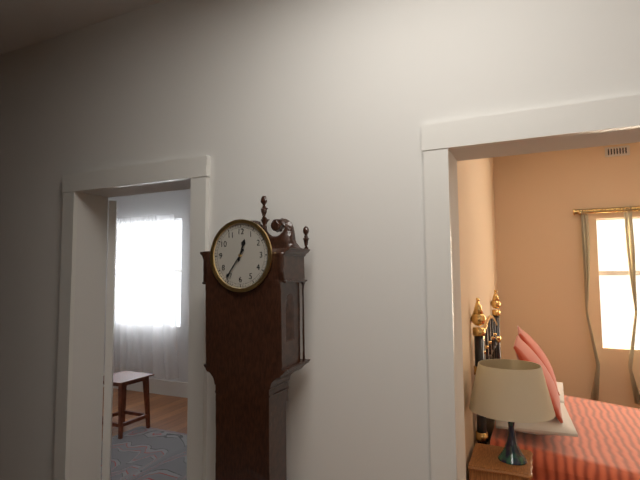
**12:36**
